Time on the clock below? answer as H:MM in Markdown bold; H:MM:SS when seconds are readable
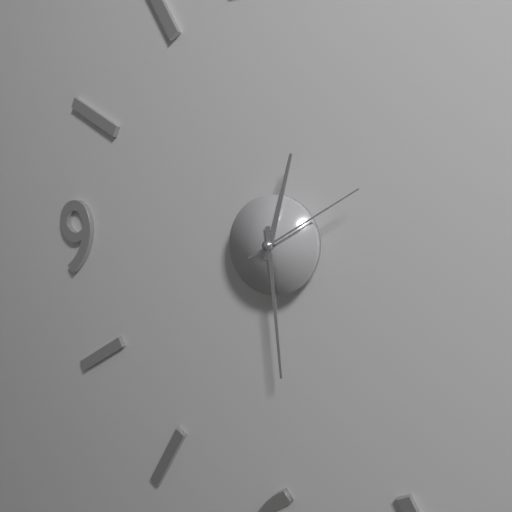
**12:29:10**
